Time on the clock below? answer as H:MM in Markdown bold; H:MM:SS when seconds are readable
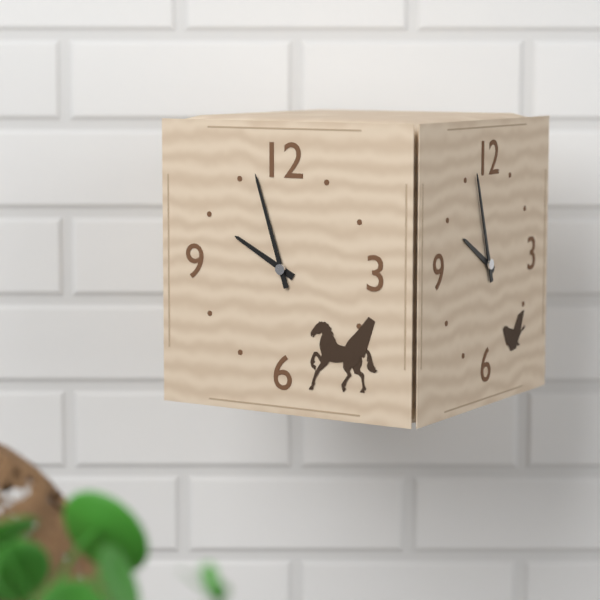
**9:57**
